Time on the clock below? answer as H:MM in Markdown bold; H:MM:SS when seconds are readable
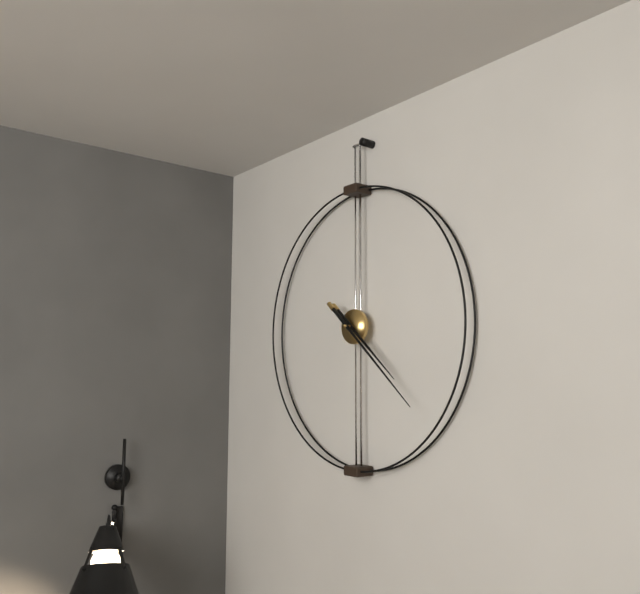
**4:22**
